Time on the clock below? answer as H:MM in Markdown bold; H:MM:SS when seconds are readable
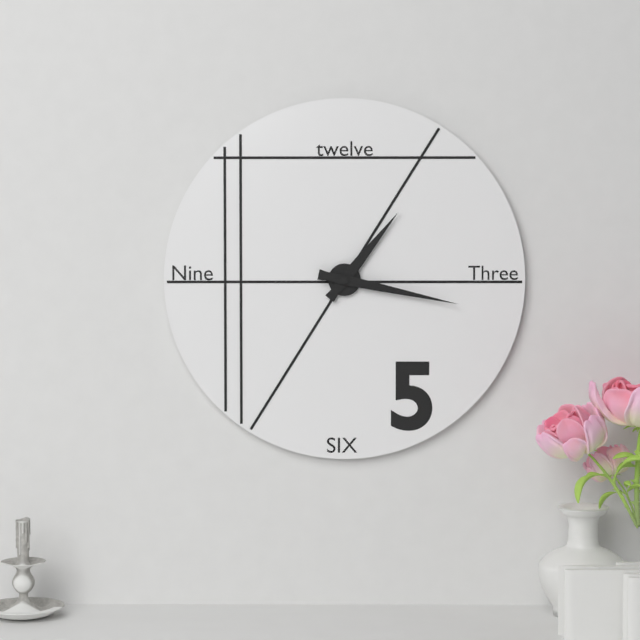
**1:17**
